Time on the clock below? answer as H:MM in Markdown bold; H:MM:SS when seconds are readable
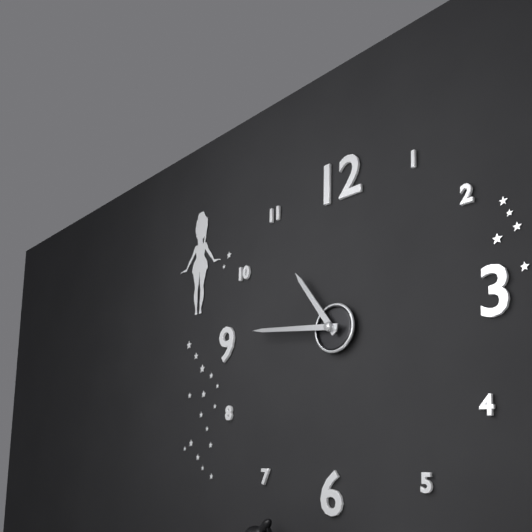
**10:46**
